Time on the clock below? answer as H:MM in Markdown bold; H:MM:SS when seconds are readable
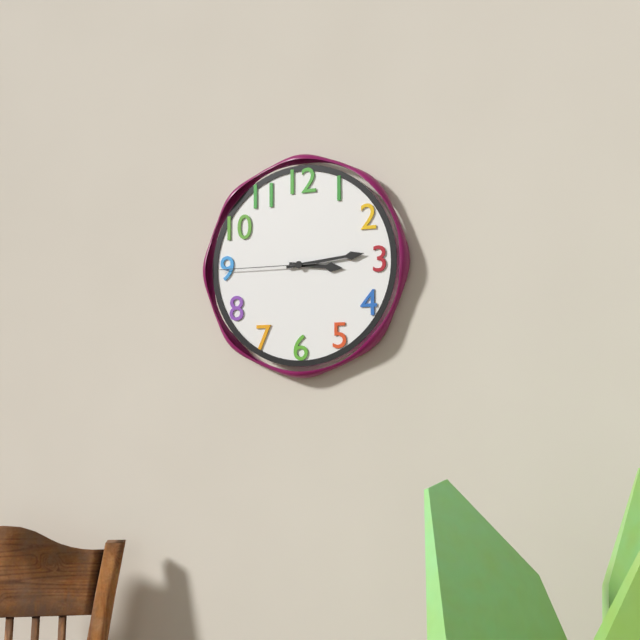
**3:14:45**
